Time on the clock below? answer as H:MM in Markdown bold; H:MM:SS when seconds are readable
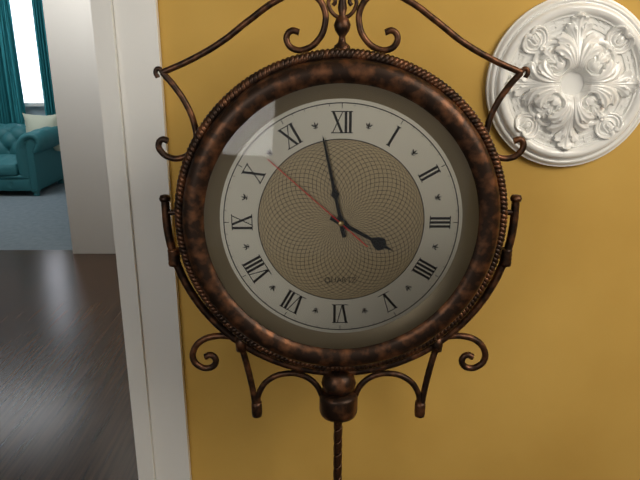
**3:58:52**
